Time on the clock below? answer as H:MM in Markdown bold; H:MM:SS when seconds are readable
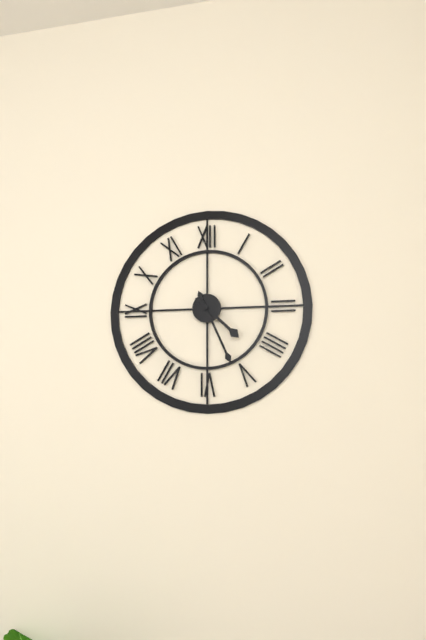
**4:26**
